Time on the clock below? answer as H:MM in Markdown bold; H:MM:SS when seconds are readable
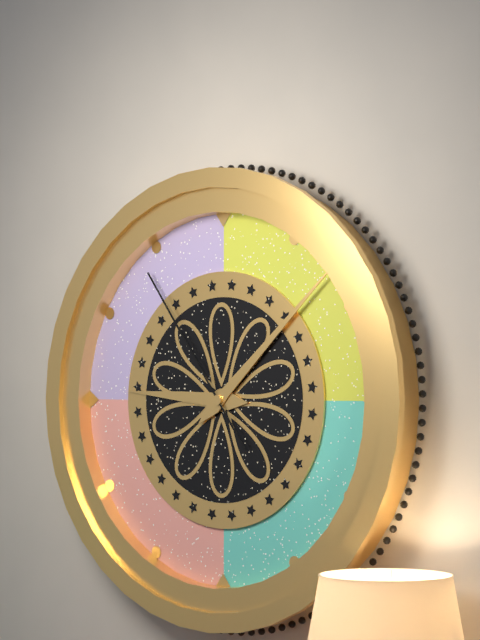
**9:08:54**
